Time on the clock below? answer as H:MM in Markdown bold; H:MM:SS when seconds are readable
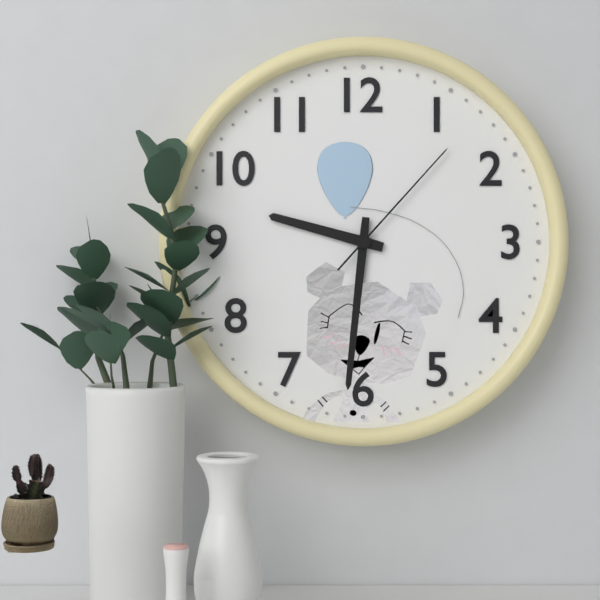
**9:31:07**
